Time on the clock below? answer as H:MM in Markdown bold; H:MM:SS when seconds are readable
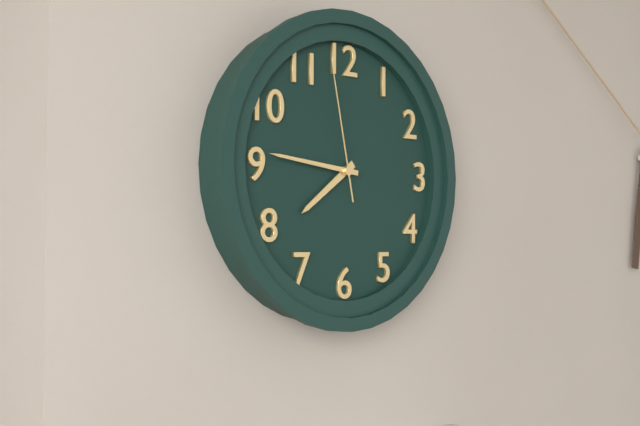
**7:46:58**
